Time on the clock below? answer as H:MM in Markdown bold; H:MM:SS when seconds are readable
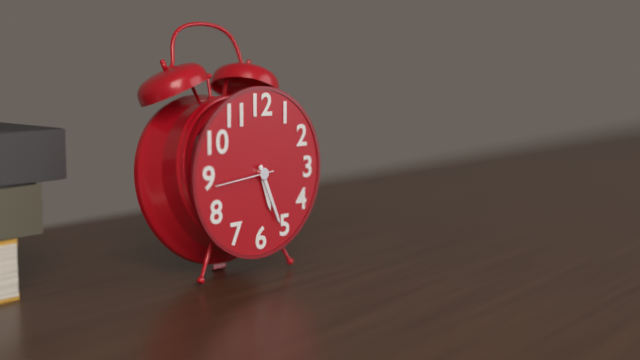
**5:26:44**
